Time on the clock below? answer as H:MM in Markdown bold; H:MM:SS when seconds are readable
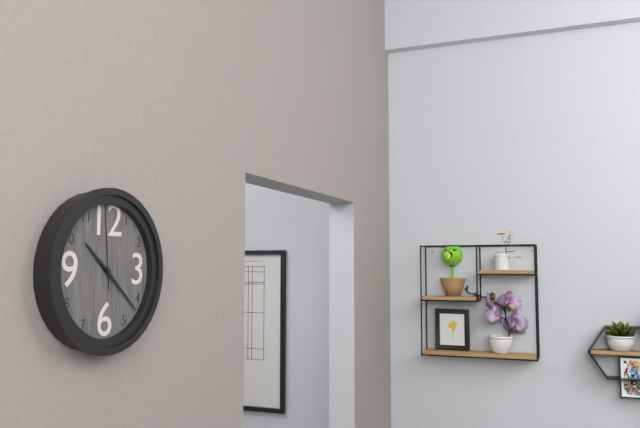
**10:22:59**
